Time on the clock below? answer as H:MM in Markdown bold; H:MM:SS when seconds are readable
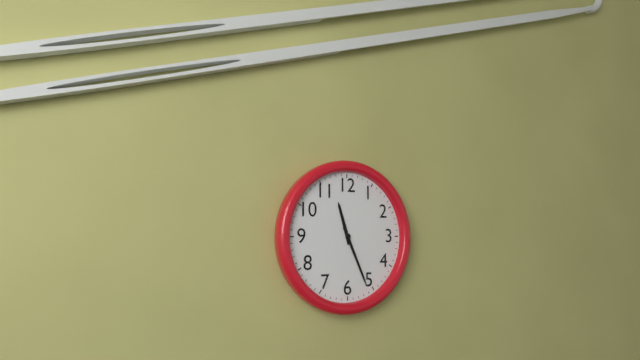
**11:26**
